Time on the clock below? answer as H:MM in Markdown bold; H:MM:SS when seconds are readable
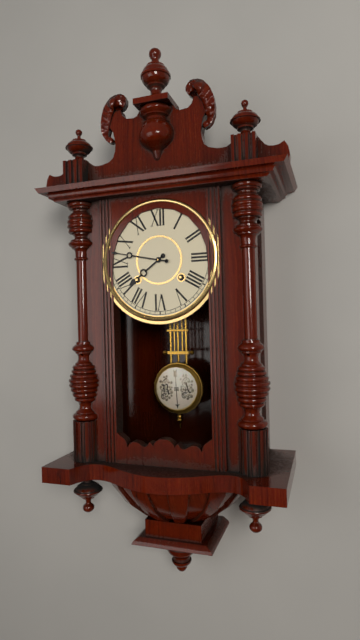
**7:47**
